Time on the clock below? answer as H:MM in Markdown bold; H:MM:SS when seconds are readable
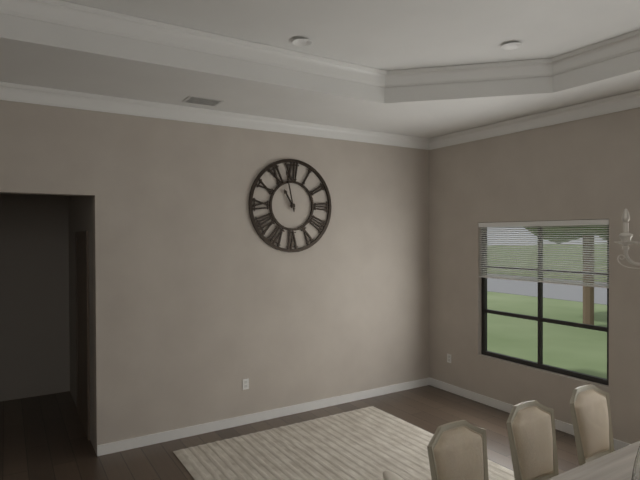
**10:58**
